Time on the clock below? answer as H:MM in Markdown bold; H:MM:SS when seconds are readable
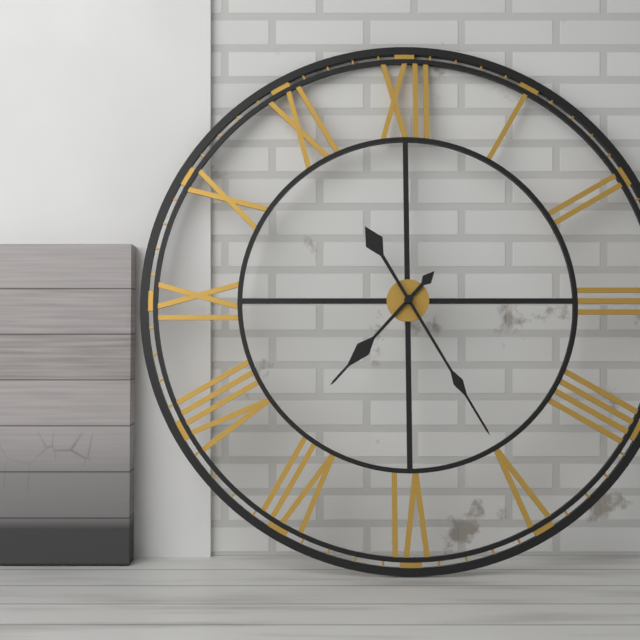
**7:25**
